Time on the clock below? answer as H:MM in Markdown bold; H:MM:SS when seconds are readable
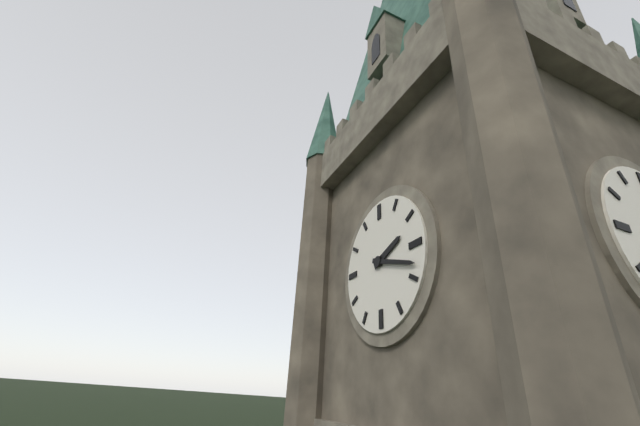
**2:18**
